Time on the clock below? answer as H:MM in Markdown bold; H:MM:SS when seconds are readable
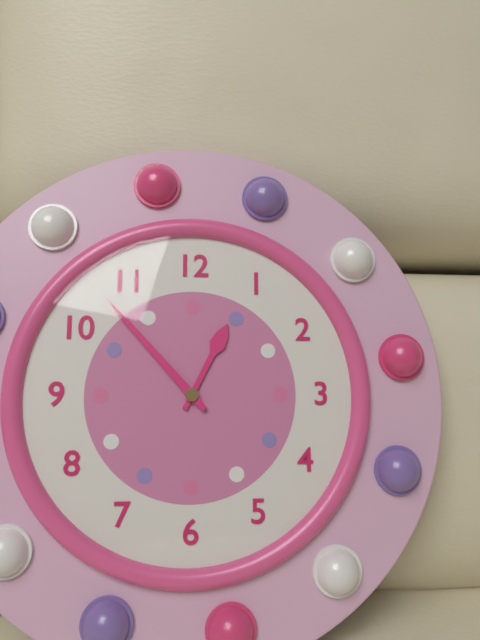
**12:53**
